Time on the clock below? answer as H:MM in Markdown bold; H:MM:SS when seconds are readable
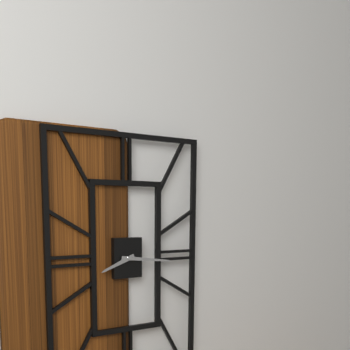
**8:16**
